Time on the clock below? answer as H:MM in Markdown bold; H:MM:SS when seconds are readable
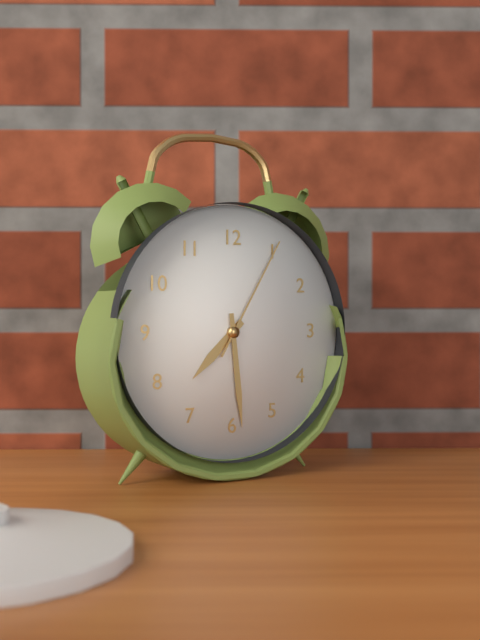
**7:29:05**
